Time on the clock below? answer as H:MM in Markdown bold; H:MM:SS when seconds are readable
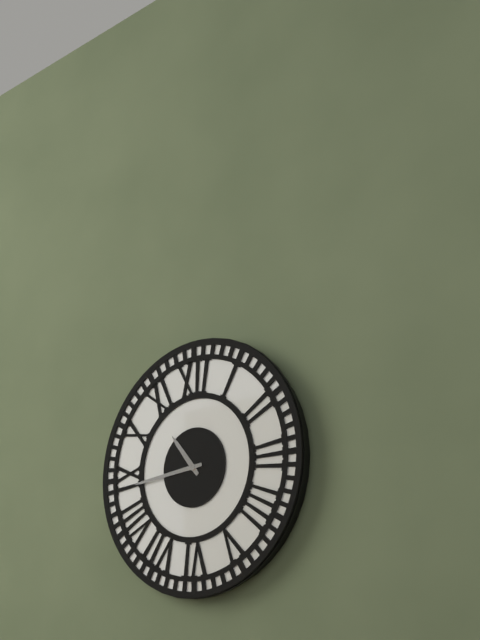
**10:44**
